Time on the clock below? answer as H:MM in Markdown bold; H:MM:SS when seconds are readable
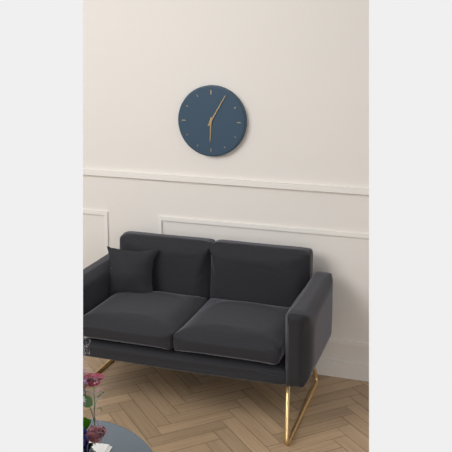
**6:05**
